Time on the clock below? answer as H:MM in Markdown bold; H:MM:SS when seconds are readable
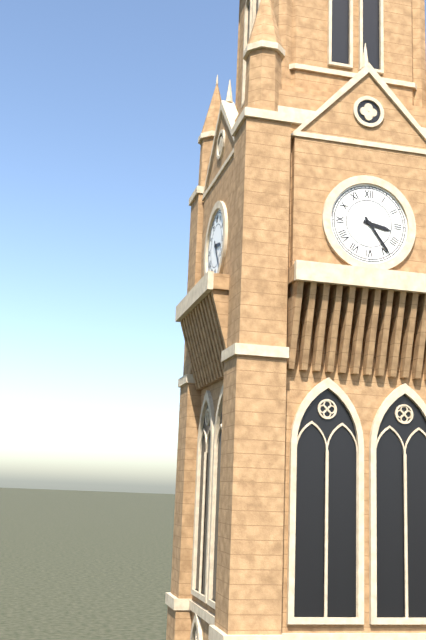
**3:24**
